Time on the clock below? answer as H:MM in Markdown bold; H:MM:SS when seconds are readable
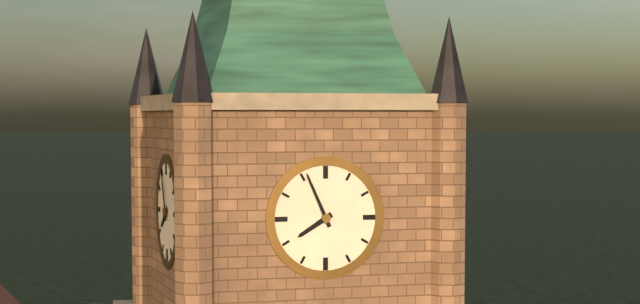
**7:56**
